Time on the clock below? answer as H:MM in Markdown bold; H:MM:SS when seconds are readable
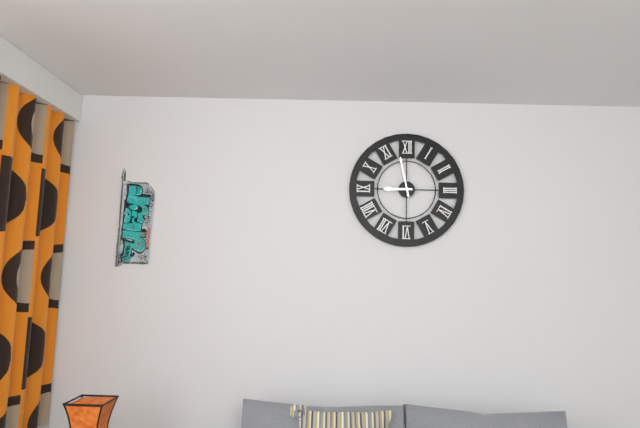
**8:58**
